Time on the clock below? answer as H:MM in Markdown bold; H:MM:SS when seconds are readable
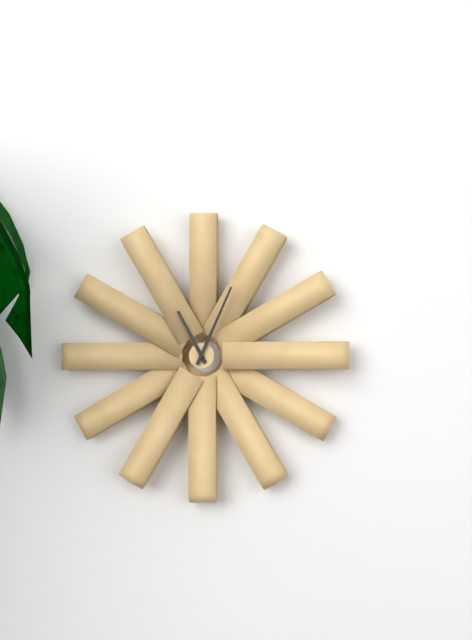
**11:04**
